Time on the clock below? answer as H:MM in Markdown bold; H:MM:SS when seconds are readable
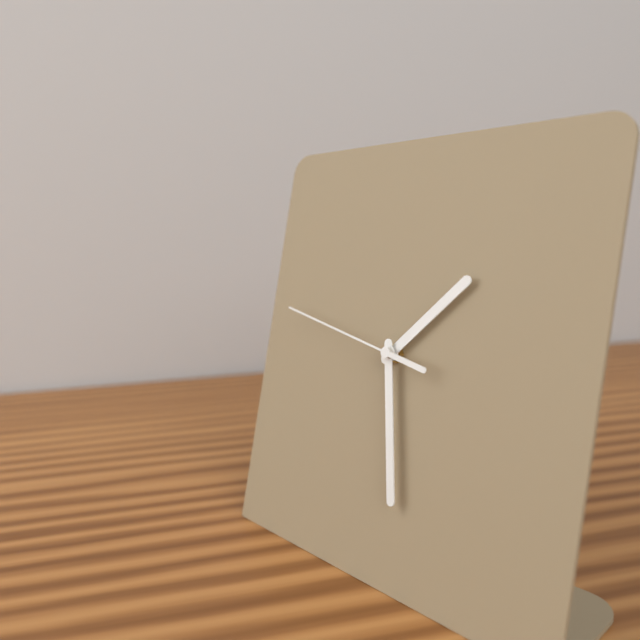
**1:28:47**
